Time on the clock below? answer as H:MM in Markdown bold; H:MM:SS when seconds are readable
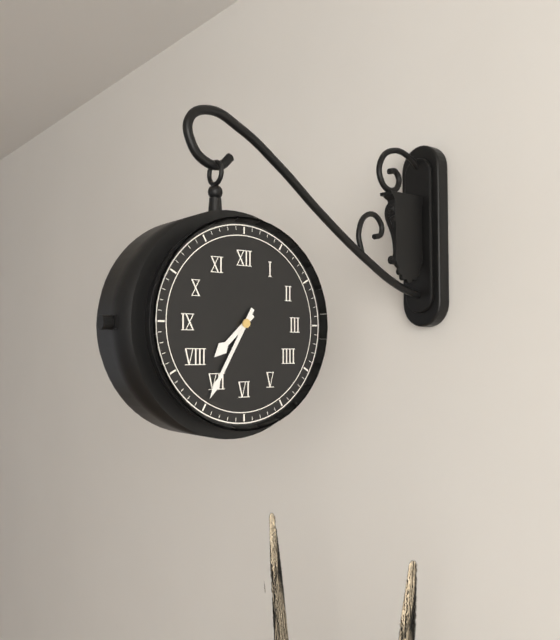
**7:35**
